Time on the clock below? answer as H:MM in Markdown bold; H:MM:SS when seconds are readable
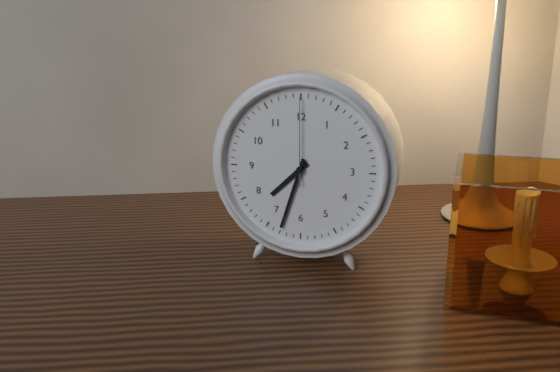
**7:33:00**
